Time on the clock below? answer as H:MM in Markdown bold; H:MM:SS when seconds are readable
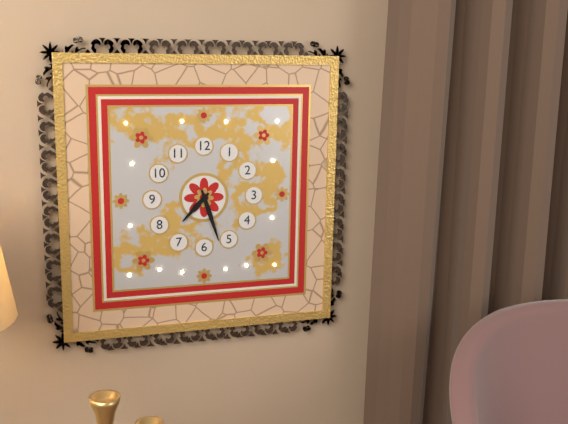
**7:27**
